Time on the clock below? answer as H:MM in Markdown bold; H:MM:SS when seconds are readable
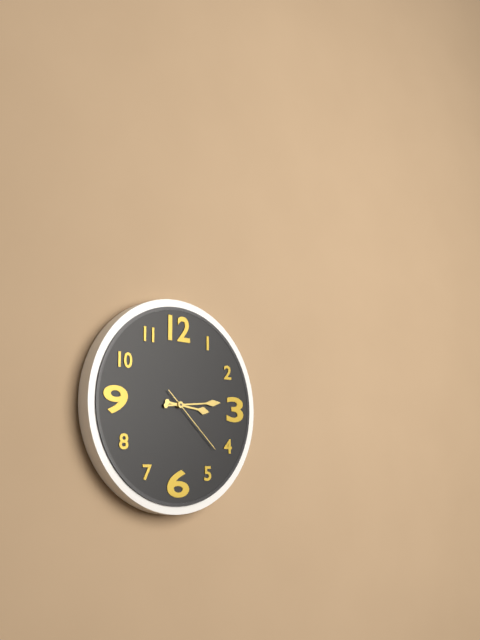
**3:14:22**
